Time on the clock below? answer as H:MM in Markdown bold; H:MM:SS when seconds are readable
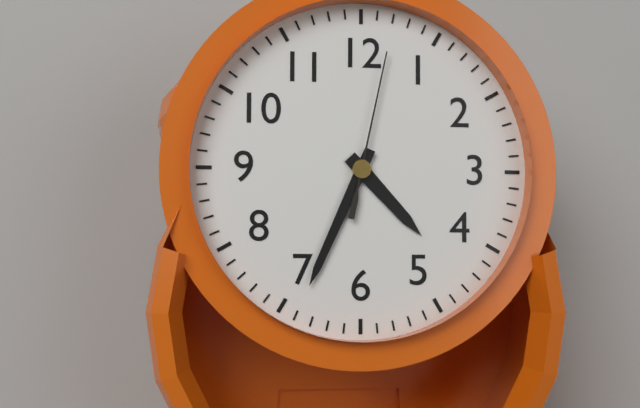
**4:34:02**
